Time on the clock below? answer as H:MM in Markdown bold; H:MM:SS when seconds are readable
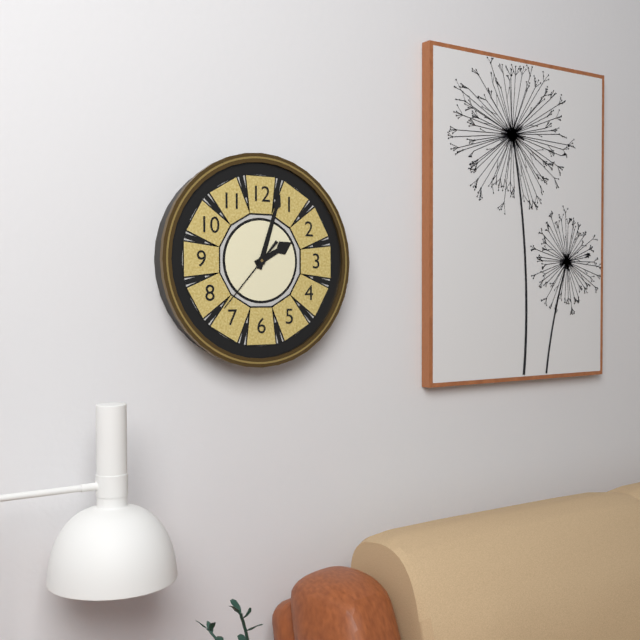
**2:03:37**
